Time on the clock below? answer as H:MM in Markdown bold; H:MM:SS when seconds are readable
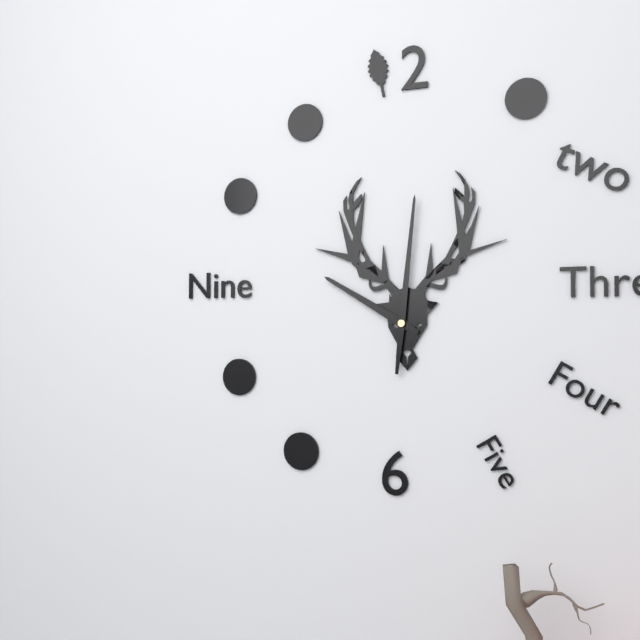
**10:01**
